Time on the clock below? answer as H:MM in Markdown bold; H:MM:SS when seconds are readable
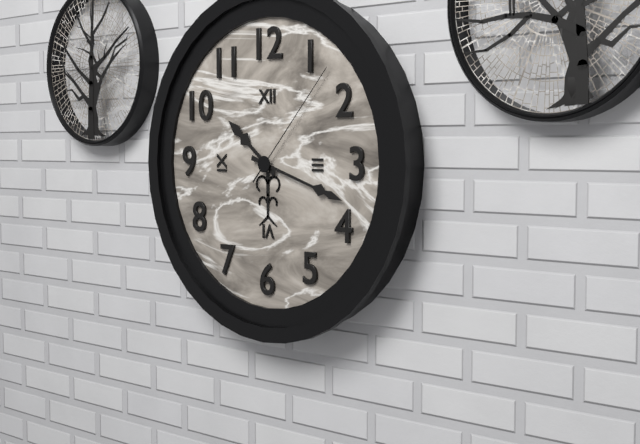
**10:18:07**
